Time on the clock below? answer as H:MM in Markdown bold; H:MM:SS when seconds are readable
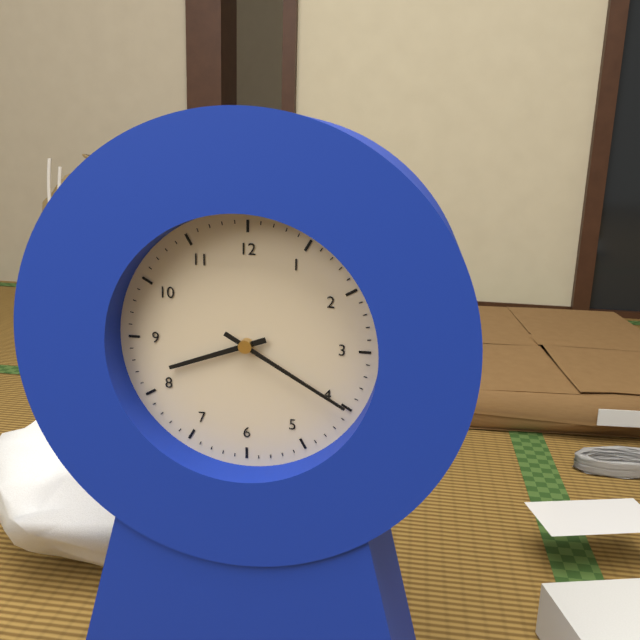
**8:20**
